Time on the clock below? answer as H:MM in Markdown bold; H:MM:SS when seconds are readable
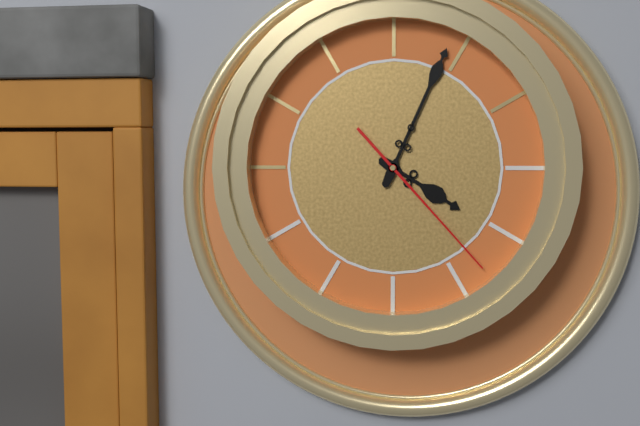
**4:04:23**
